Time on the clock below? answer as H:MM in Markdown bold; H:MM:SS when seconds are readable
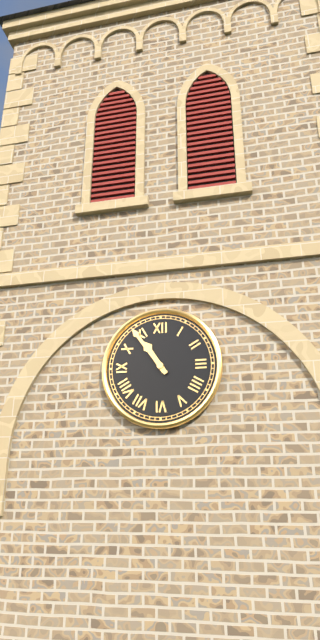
**10:54**
